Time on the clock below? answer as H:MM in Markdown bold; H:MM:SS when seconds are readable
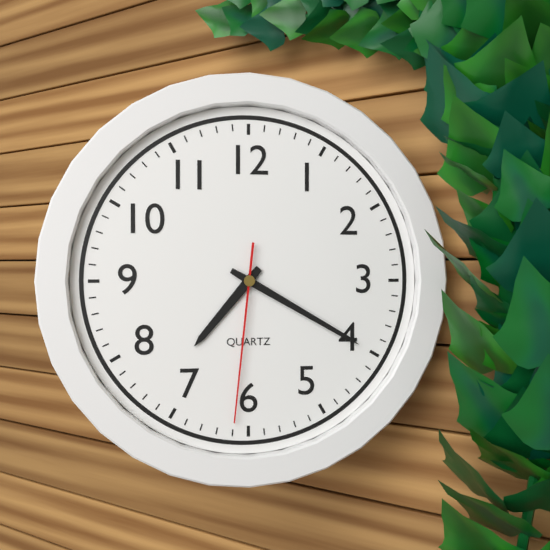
**7:20:31**
